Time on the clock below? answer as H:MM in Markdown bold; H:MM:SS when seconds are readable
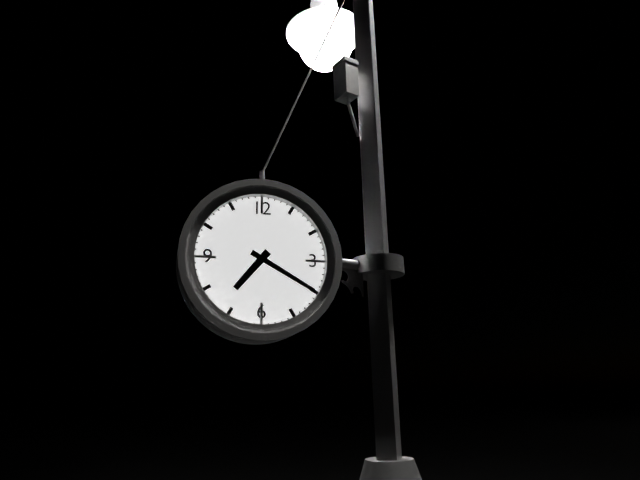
**7:20**
